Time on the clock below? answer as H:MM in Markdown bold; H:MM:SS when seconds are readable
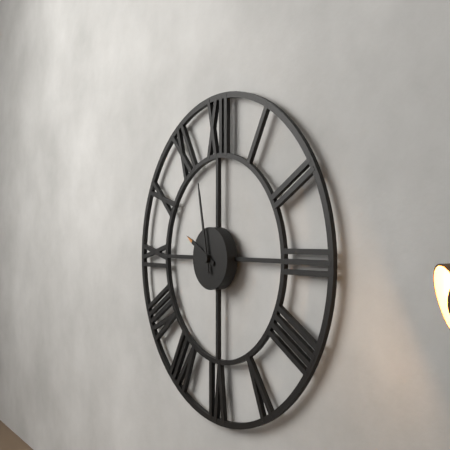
**9:58**
